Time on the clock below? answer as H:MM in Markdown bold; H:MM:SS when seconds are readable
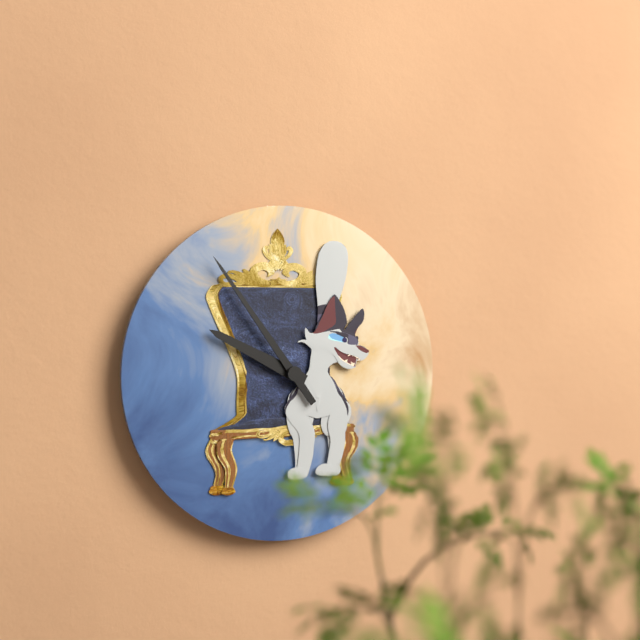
**9:54**
